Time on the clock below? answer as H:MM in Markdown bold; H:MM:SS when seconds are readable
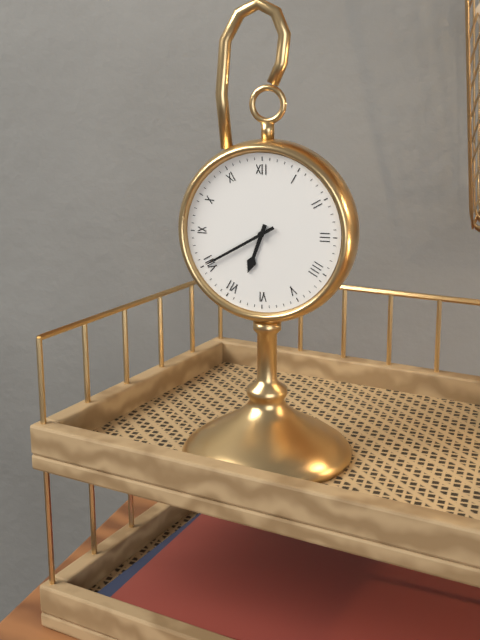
**6:40**
